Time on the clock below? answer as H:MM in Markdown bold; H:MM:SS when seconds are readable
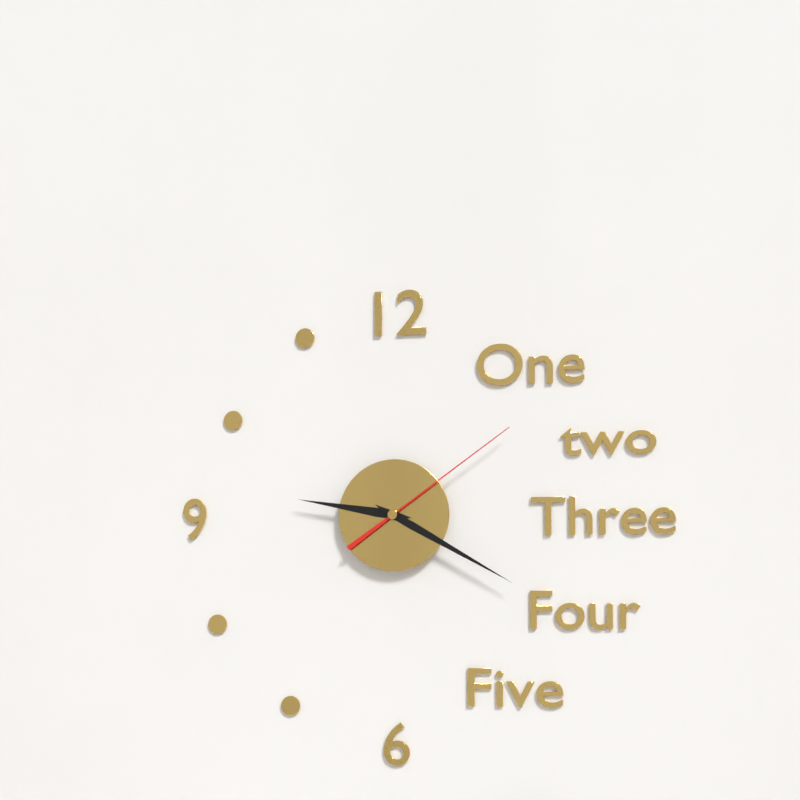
**9:20:09**
